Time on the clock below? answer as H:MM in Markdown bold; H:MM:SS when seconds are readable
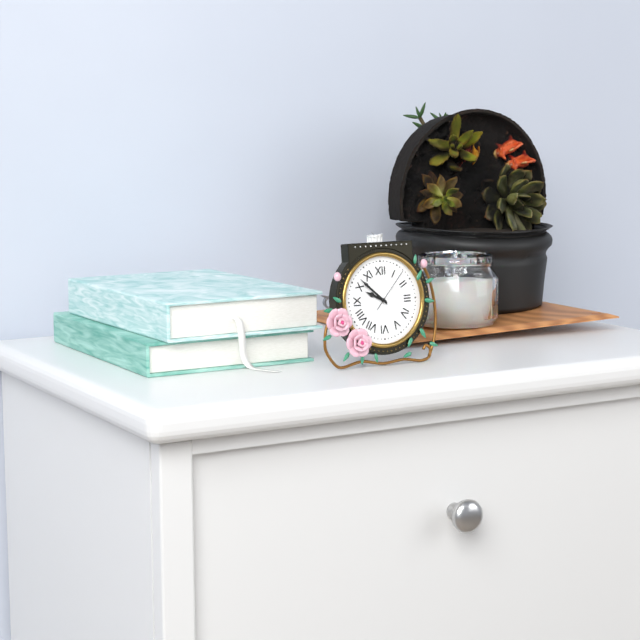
**9:52**
